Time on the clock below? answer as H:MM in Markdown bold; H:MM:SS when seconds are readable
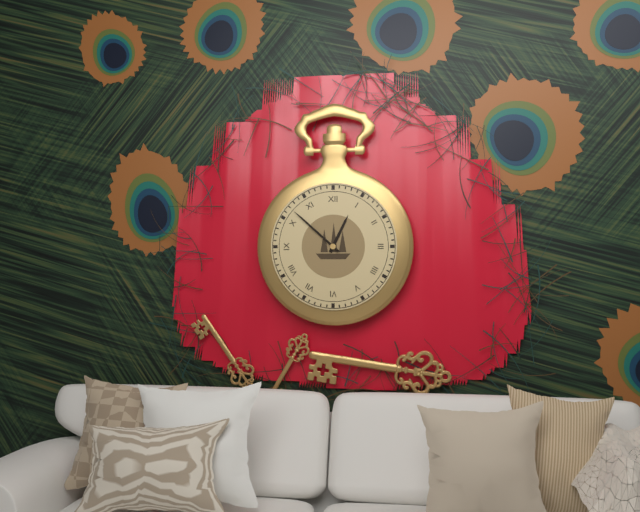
**12:52**
